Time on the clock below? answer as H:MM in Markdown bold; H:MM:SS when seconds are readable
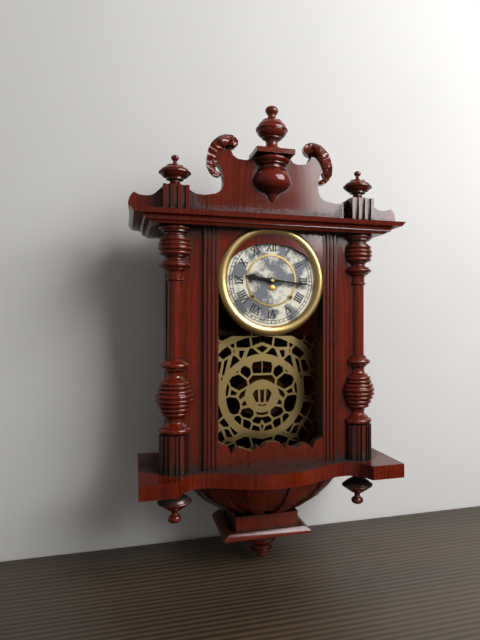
**9:16**
